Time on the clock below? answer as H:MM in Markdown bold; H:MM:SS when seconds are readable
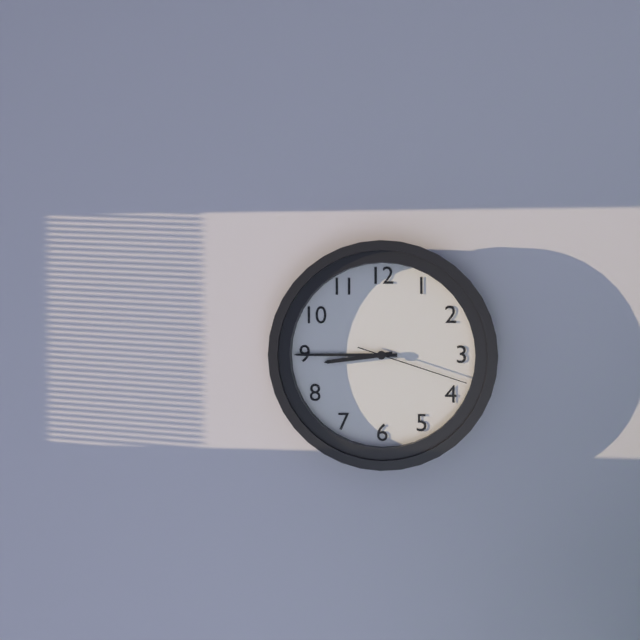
**8:45:18**
